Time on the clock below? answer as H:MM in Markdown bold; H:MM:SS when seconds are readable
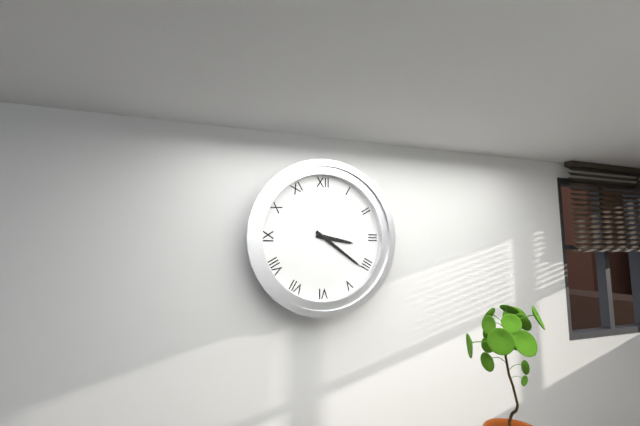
**3:21**
